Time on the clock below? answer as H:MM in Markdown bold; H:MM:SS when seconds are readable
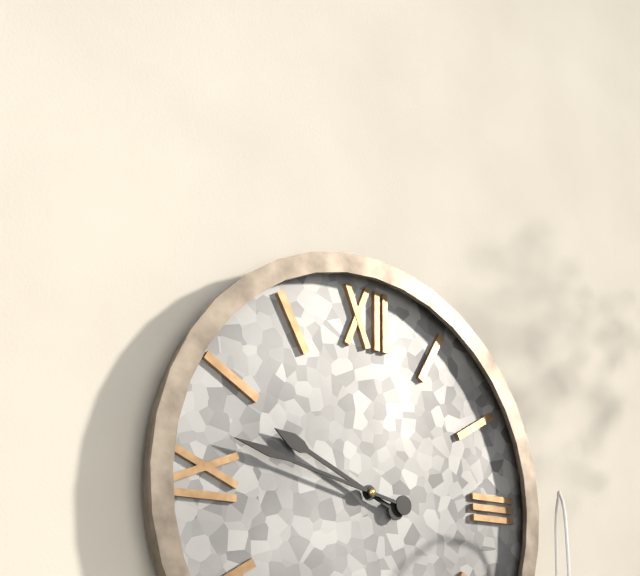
**9:47**
